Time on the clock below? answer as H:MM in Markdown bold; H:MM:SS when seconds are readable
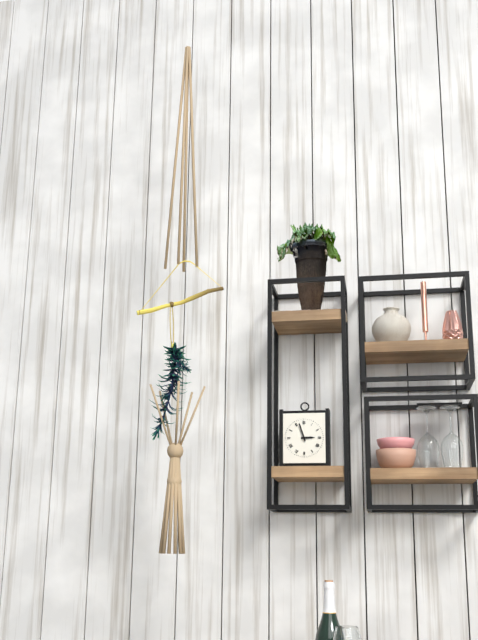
**2:57**
